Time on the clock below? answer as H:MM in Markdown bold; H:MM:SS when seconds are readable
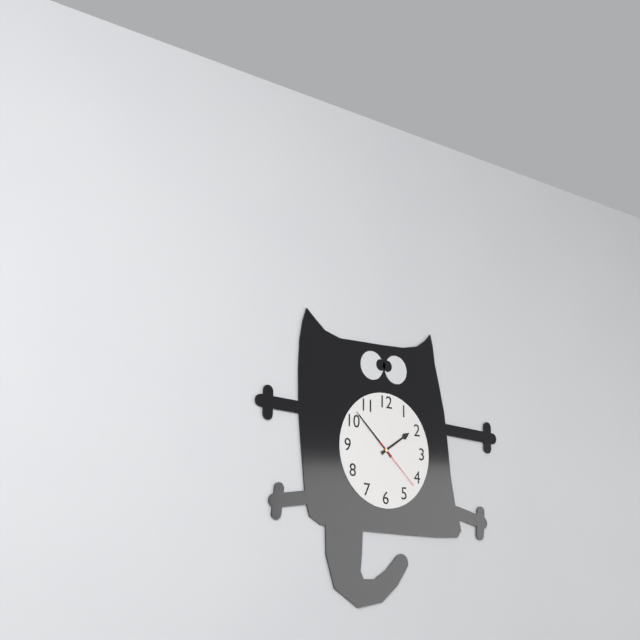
**1:52:22**
